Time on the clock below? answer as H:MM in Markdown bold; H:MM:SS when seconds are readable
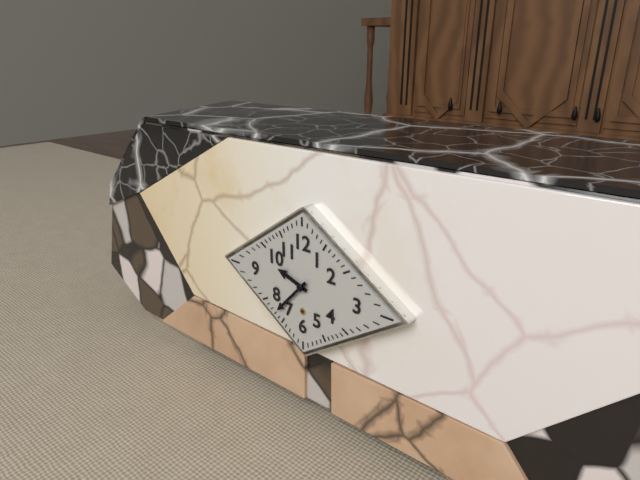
**9:37**
